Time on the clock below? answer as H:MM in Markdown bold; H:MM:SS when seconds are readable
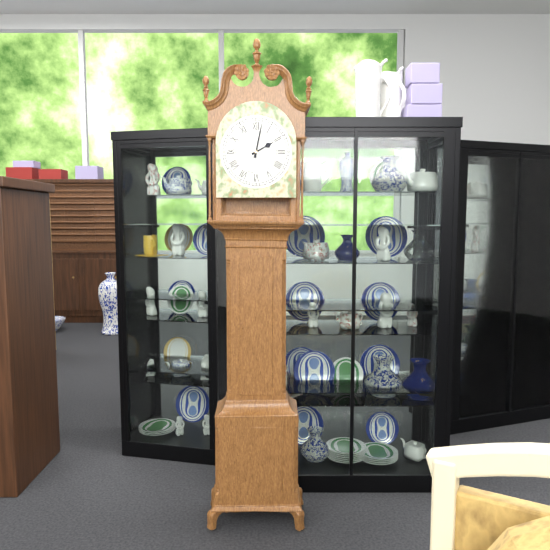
**2:02**
